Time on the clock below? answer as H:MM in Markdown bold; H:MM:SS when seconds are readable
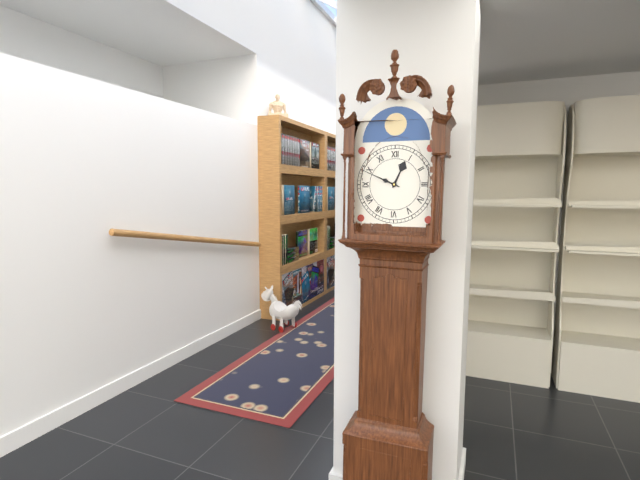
**12:49**
